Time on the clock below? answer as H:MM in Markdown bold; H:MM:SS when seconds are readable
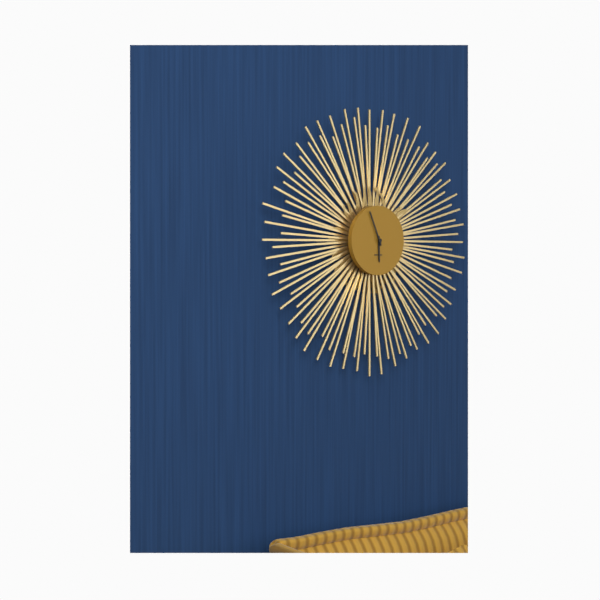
**5:56**
